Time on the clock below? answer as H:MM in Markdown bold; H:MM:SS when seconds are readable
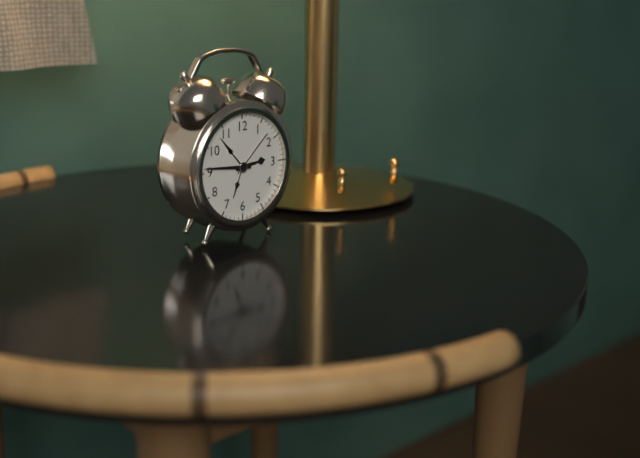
**2:46**
